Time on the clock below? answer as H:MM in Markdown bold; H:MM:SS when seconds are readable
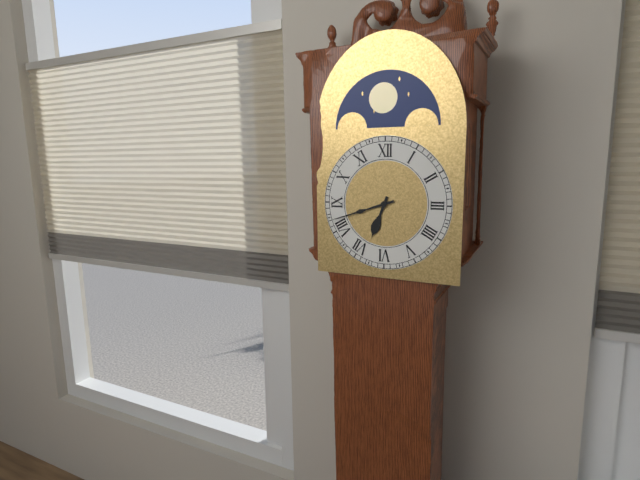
**6:42**
